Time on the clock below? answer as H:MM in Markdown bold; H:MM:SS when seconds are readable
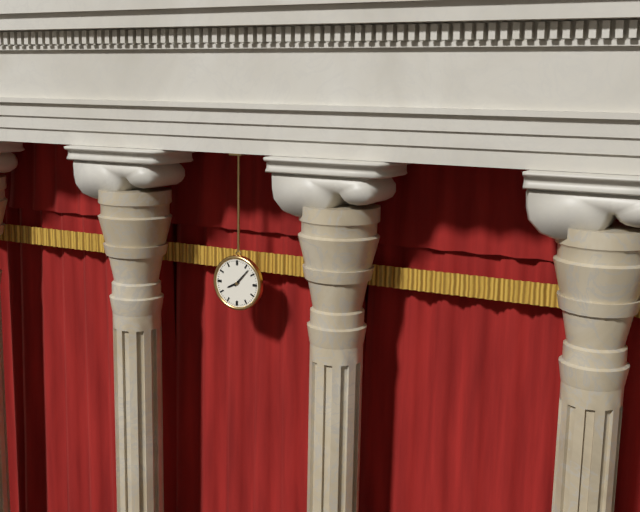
**8:07**
